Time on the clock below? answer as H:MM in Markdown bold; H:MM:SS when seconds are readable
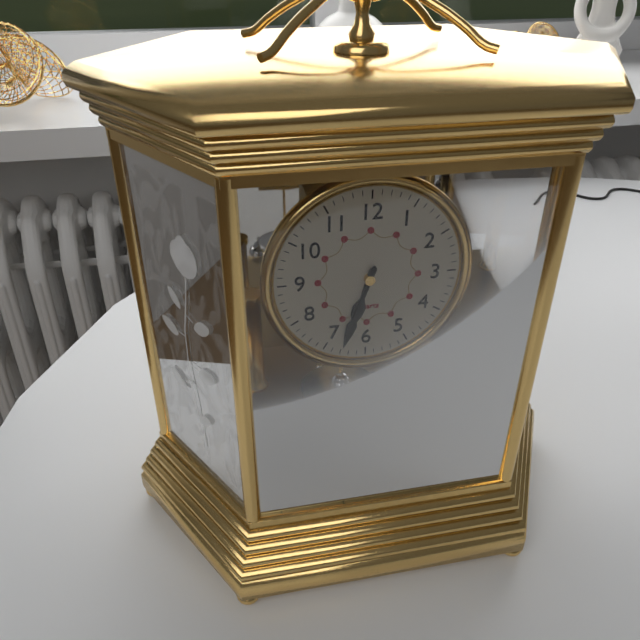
**6:33**
